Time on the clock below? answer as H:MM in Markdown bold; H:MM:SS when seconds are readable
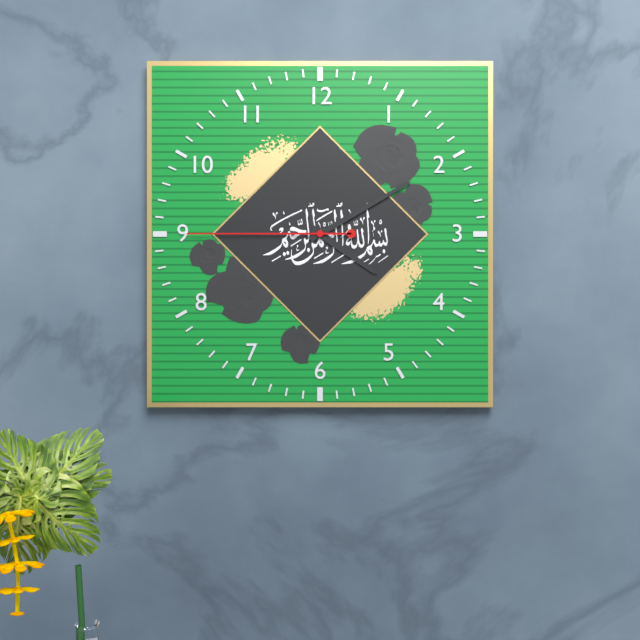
**4:10:45**
